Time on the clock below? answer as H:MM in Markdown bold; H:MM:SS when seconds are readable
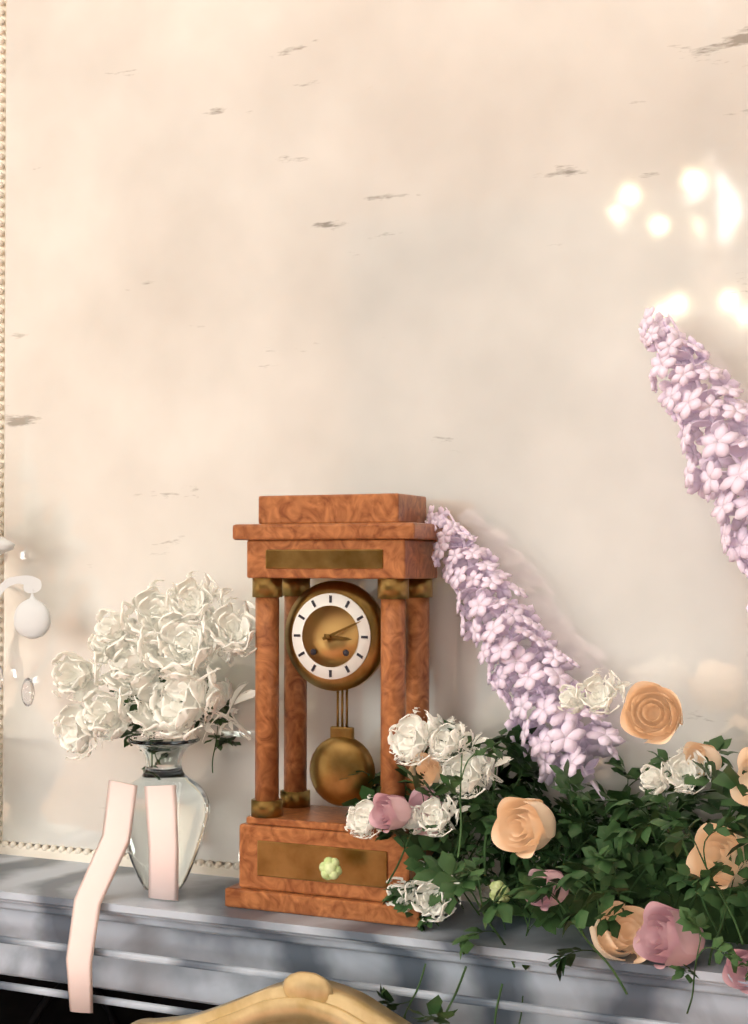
**3:11**
